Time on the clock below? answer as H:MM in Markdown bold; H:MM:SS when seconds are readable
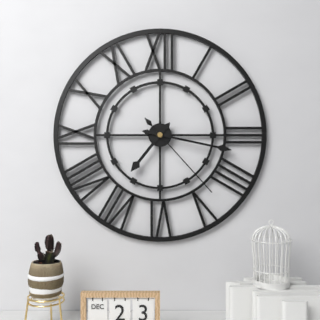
**7:17:23**
